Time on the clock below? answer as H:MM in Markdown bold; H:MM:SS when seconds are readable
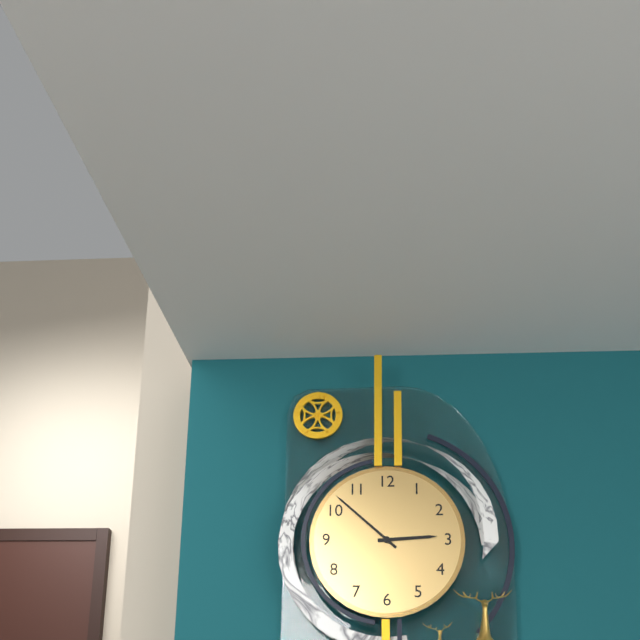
**2:52**
